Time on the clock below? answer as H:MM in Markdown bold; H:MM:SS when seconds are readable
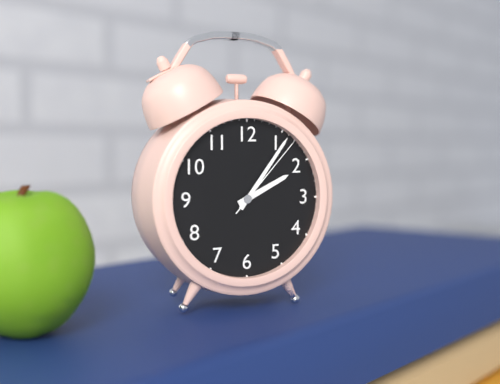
**2:06:07**
